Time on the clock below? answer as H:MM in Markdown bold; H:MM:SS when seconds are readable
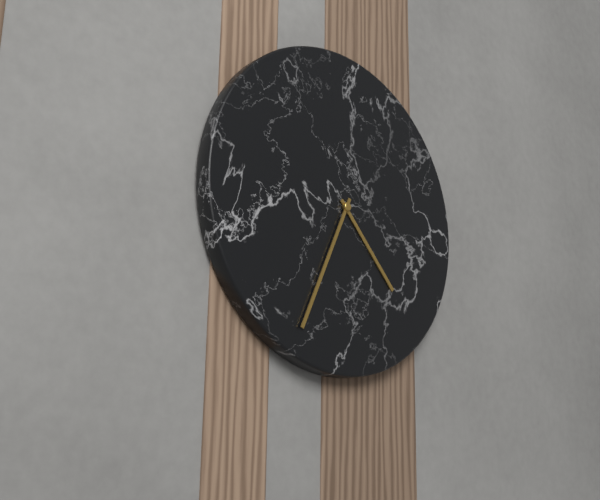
**4:34**
